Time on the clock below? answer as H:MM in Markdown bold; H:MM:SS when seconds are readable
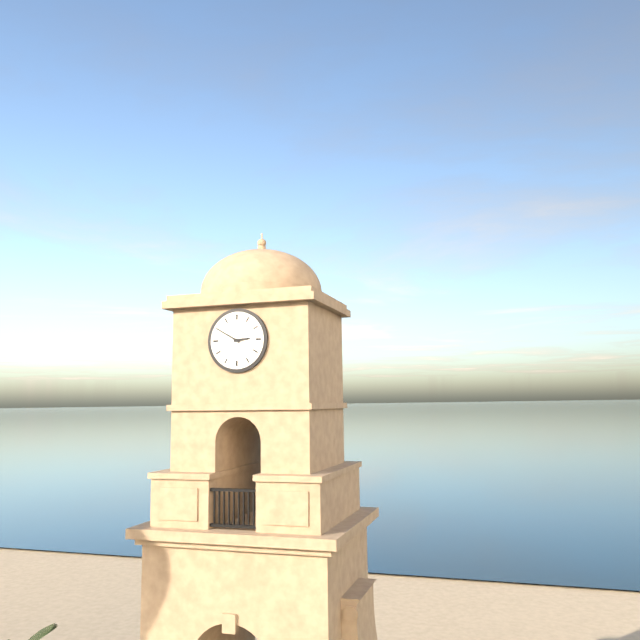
**2:50**
